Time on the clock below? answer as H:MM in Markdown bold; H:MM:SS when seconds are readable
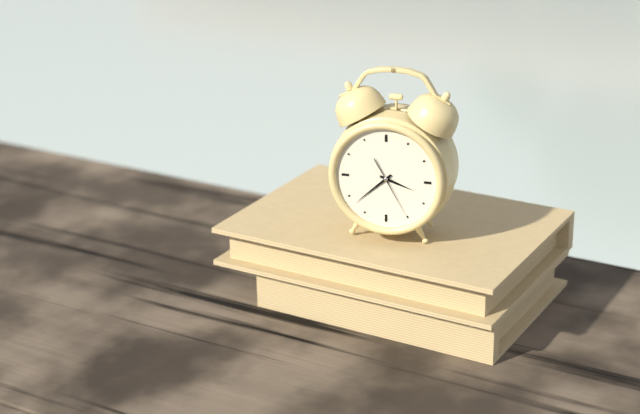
**3:38:25**
